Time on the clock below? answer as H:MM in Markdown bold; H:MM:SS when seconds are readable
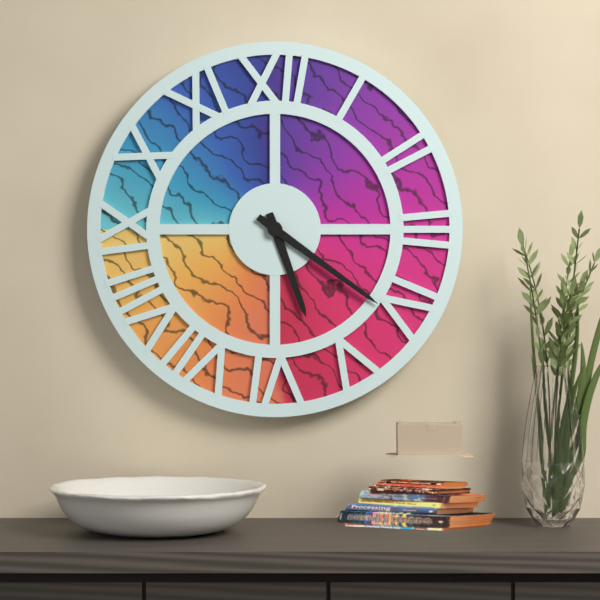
**5:21**
